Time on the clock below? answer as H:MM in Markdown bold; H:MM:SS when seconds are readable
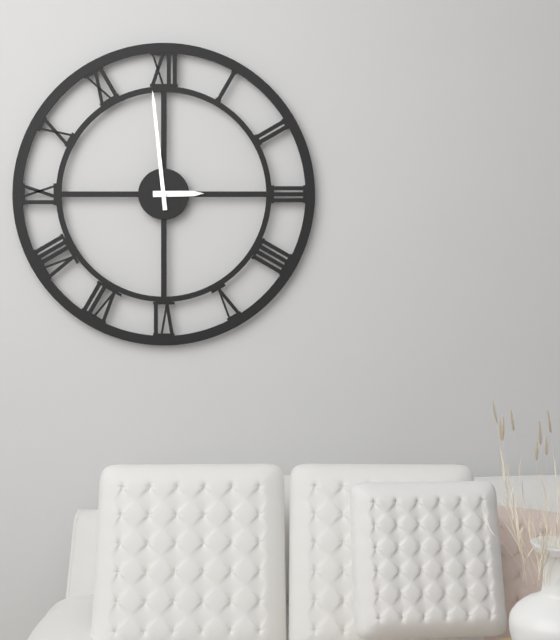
**2:59**
